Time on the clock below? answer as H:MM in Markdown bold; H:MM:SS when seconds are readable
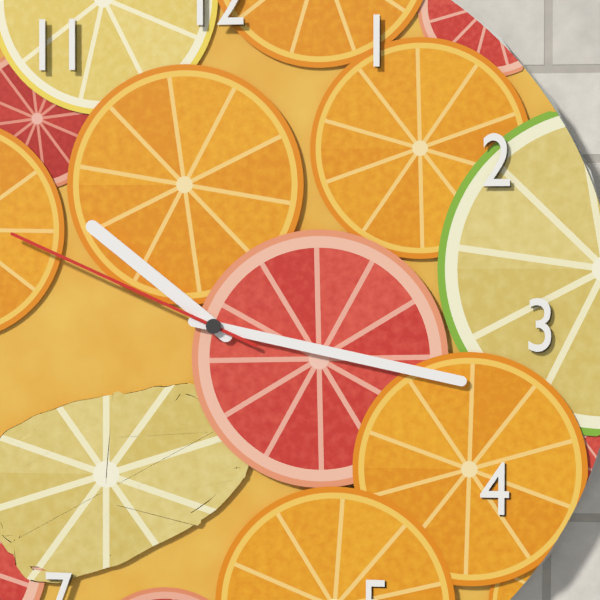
**10:17:49**
